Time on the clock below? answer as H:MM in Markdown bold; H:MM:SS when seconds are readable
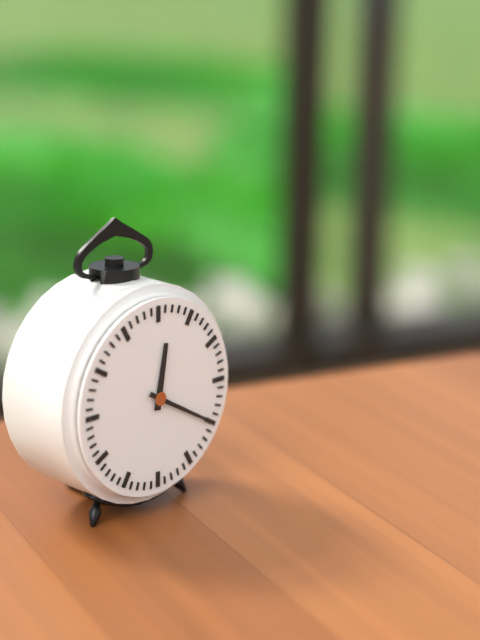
**12:20**
